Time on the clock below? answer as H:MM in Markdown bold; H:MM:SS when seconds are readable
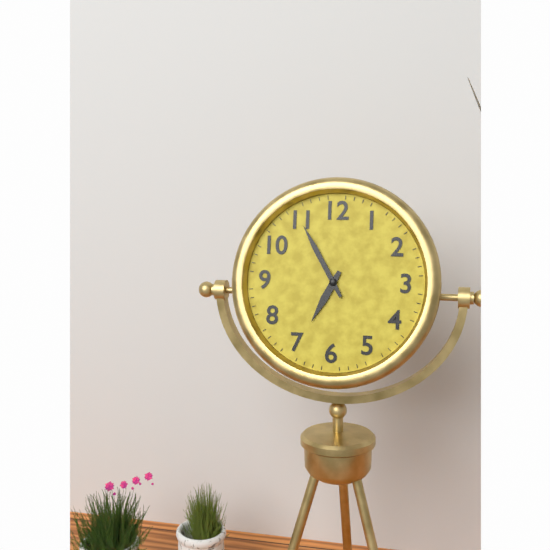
**6:55**
